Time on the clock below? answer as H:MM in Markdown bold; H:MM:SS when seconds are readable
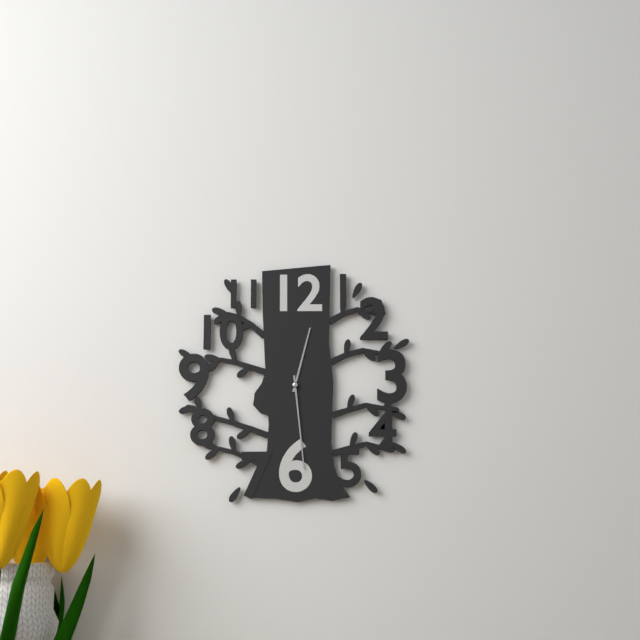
**12:29**
